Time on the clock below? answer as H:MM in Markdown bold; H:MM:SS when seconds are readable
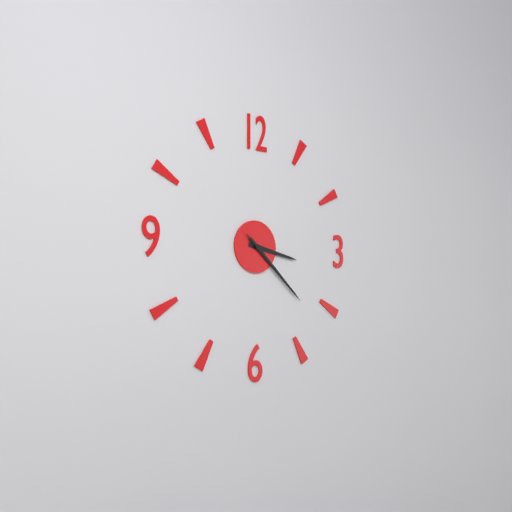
**3:22:22**
